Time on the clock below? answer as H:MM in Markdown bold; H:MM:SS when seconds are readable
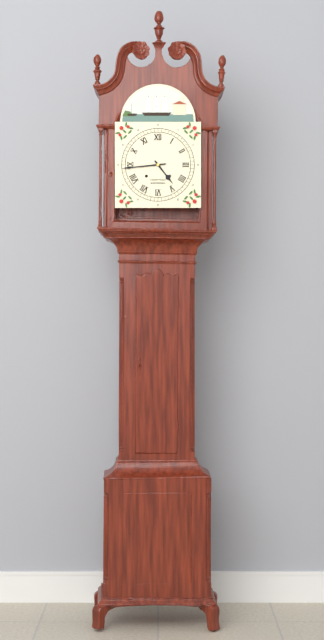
**4:44**
